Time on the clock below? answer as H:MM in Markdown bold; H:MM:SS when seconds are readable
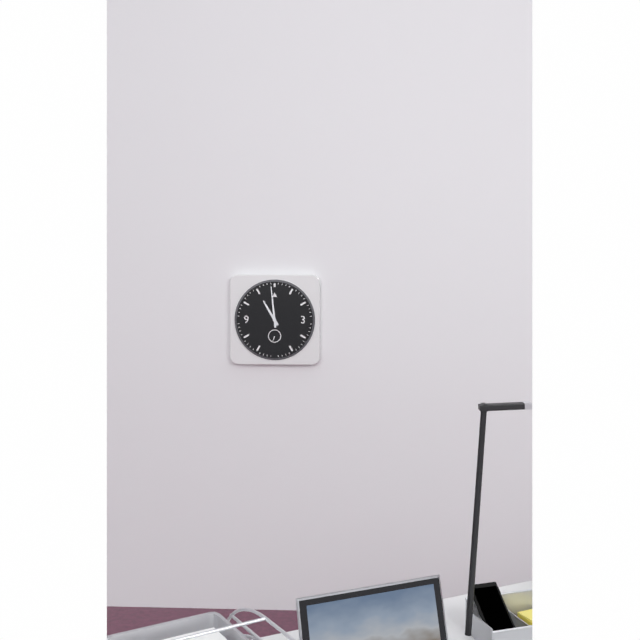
**10:59**
